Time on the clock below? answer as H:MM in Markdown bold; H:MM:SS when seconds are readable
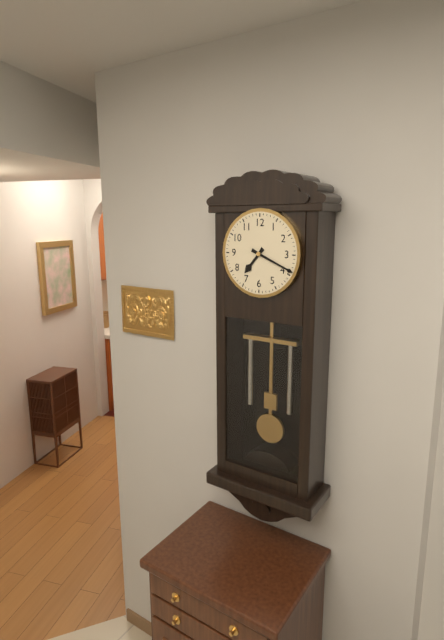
**7:19**
